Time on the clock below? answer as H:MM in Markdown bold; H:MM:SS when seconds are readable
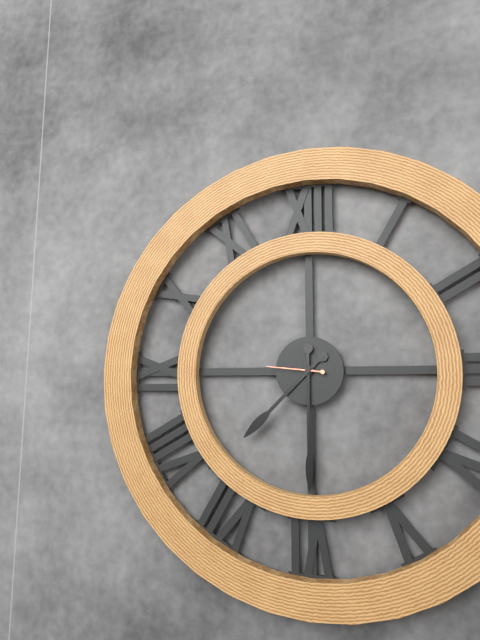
**7:30:46**
